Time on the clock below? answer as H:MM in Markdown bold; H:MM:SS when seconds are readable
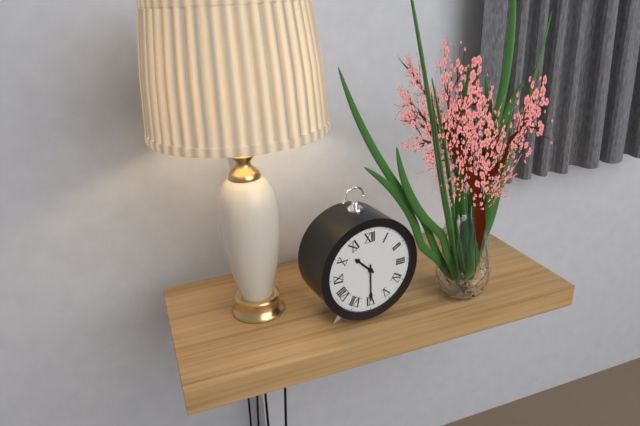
**10:30**
